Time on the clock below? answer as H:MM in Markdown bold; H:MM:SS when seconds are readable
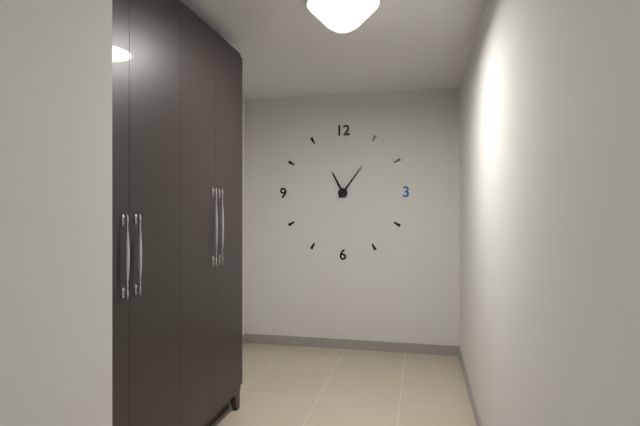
**11:06**
